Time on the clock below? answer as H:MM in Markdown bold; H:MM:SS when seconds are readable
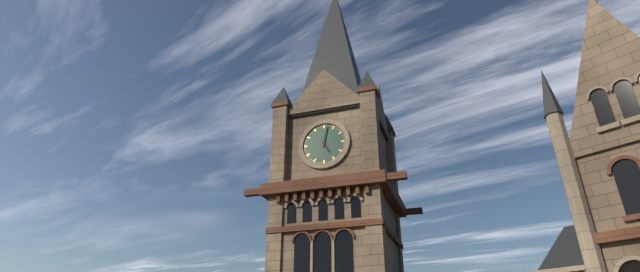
**5:02**
